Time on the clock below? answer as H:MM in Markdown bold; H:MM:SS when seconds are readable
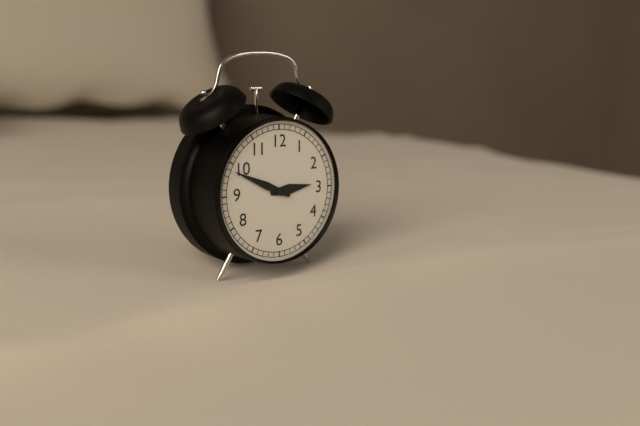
**2:49**
